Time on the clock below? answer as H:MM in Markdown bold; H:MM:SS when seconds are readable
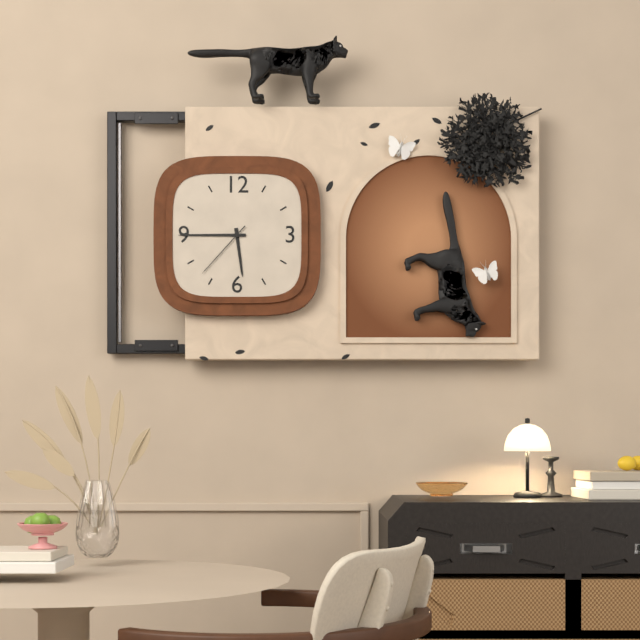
**5:45:37**
